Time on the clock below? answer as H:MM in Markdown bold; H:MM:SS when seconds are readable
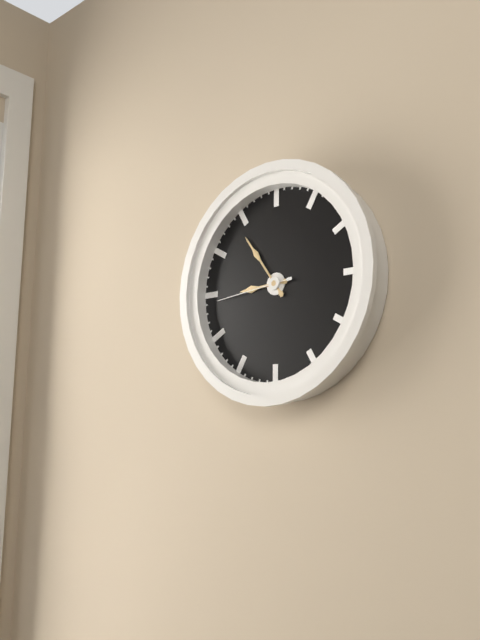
**8:54:44**
